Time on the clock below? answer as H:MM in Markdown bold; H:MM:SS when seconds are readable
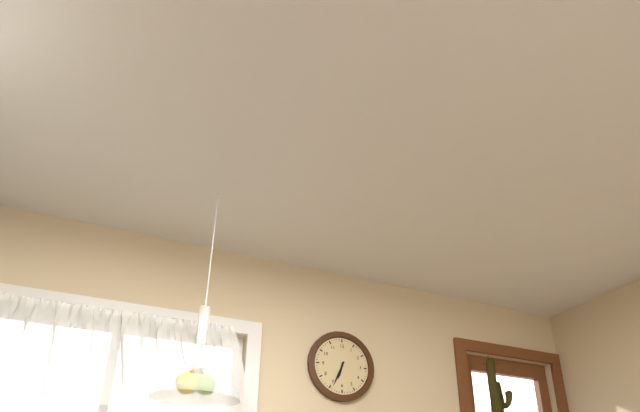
**6:34**
